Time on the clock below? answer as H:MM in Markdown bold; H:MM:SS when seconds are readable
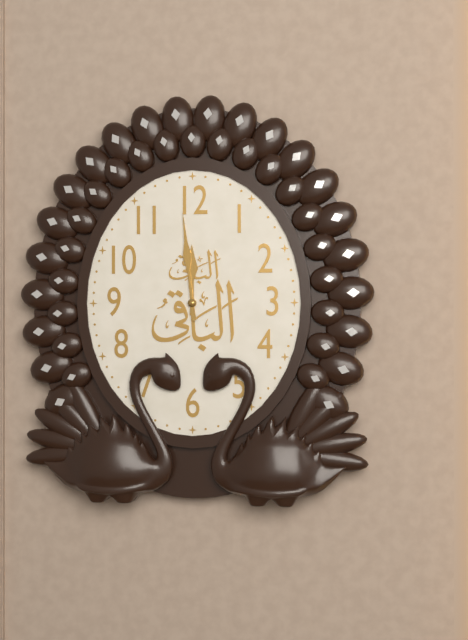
**11:59**
